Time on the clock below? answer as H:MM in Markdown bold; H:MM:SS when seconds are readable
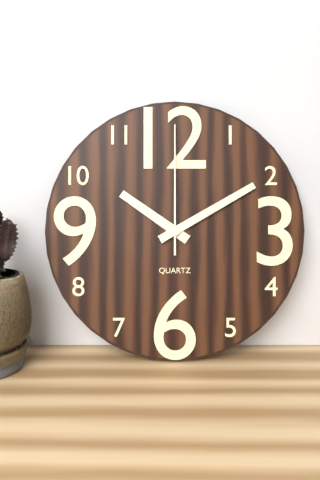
**10:10:00**
